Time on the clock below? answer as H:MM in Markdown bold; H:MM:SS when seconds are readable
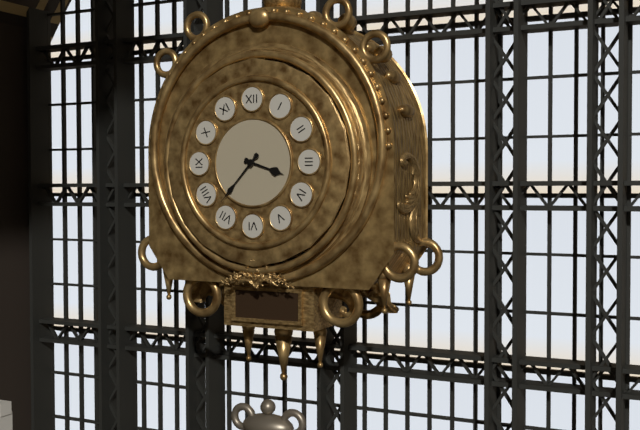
**3:37**
